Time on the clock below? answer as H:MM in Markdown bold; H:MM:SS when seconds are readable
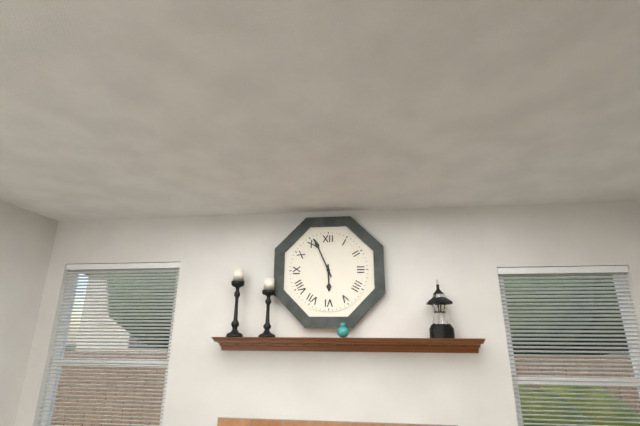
**5:56**
